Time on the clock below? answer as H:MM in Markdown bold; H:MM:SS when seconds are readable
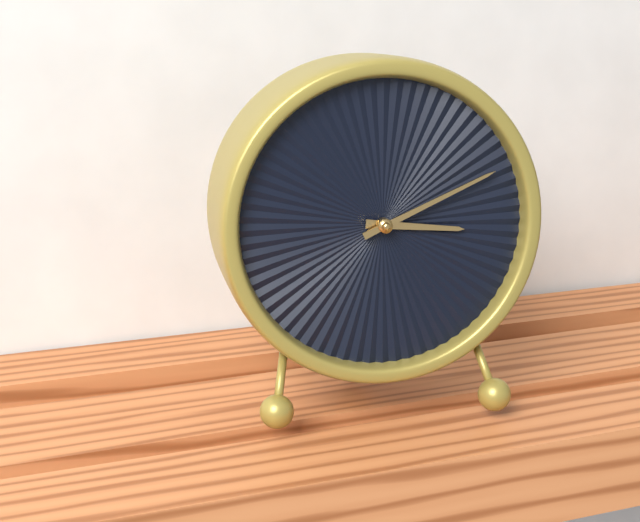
**3:11**
